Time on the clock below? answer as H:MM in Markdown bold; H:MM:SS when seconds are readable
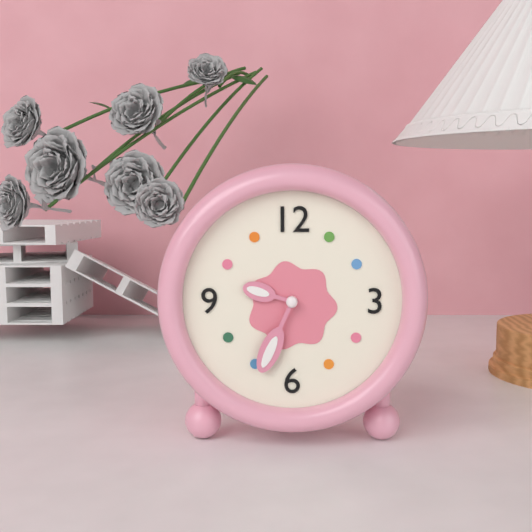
**9:34**
